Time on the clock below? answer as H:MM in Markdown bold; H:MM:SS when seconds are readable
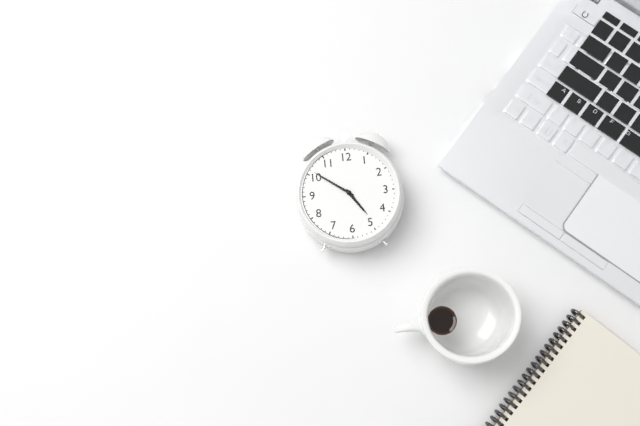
**4:51**
